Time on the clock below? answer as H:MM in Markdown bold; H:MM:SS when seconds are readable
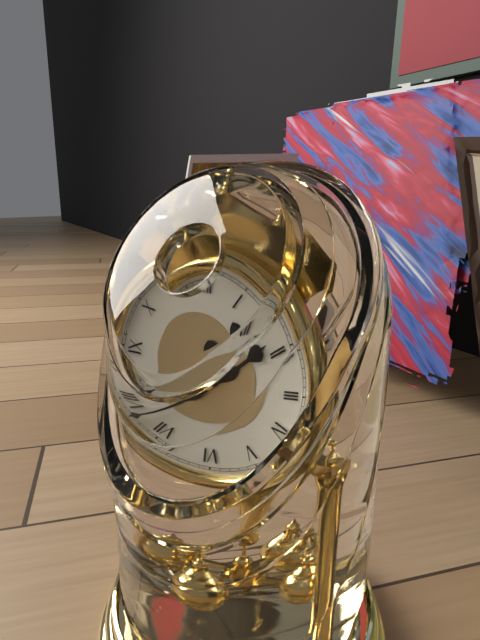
**1:38**
